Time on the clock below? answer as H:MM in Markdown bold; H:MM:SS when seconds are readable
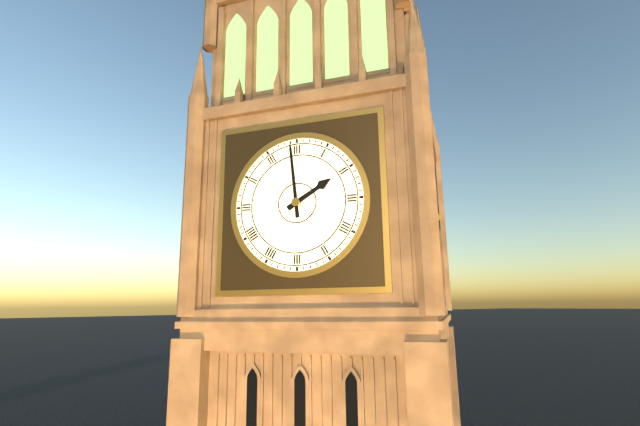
**1:59**
